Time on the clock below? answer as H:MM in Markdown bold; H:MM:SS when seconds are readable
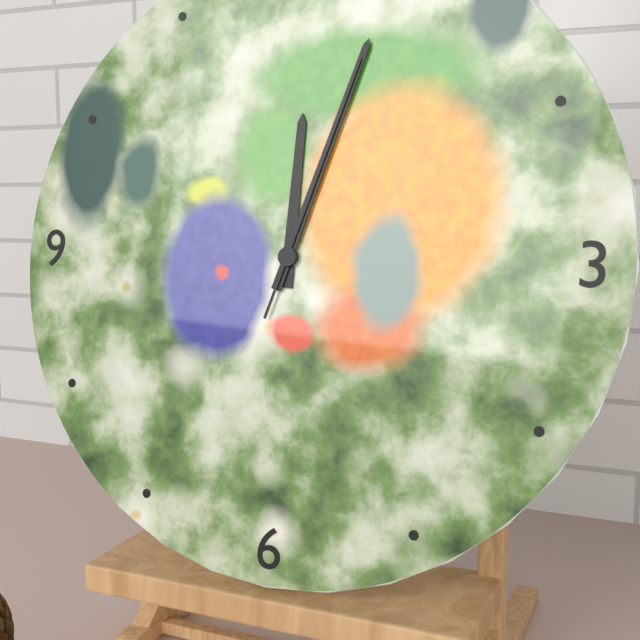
**12:03:03**
